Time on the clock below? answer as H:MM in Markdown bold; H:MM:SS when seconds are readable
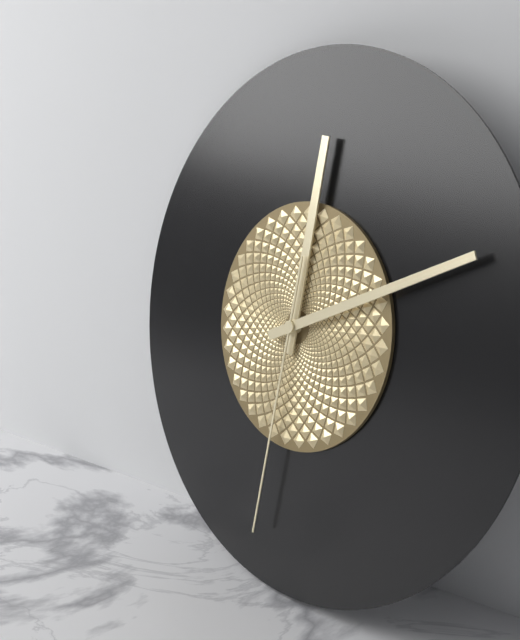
**12:11:31**
